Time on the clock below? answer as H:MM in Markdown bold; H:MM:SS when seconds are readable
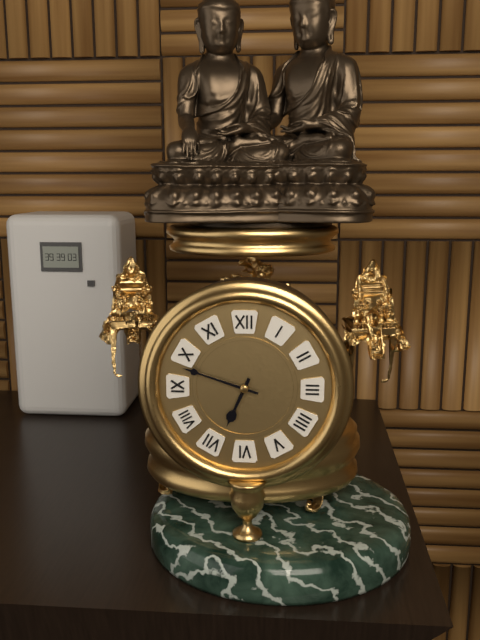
**6:48**
